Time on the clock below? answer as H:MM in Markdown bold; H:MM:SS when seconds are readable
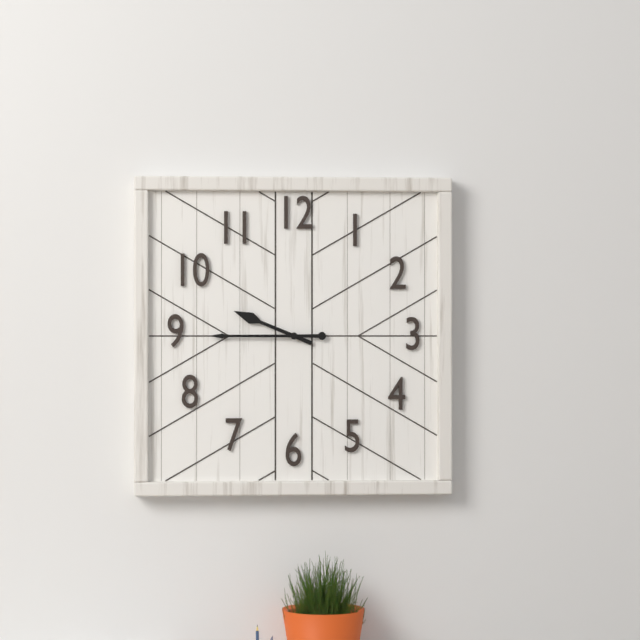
**9:45**
